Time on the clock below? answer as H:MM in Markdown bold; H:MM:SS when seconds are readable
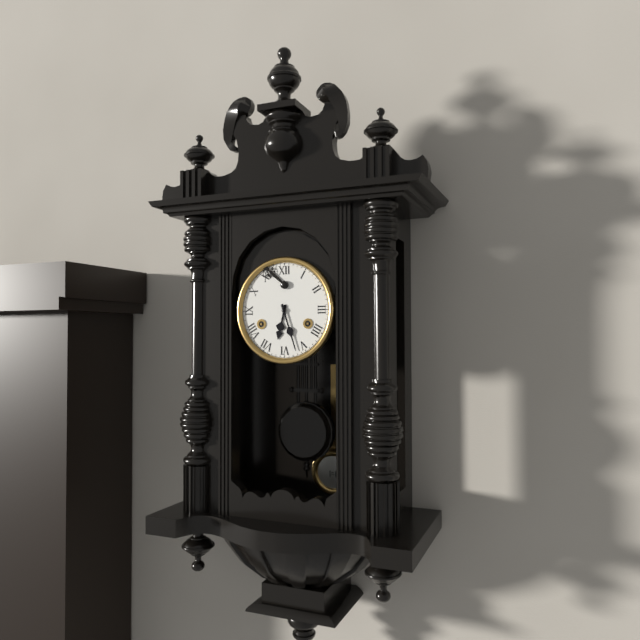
**6:27**
